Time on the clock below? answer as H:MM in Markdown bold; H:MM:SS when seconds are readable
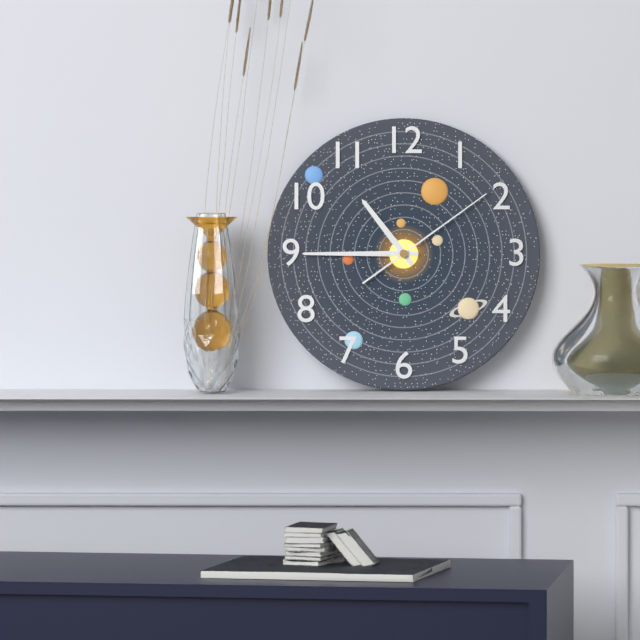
**10:45:09**
